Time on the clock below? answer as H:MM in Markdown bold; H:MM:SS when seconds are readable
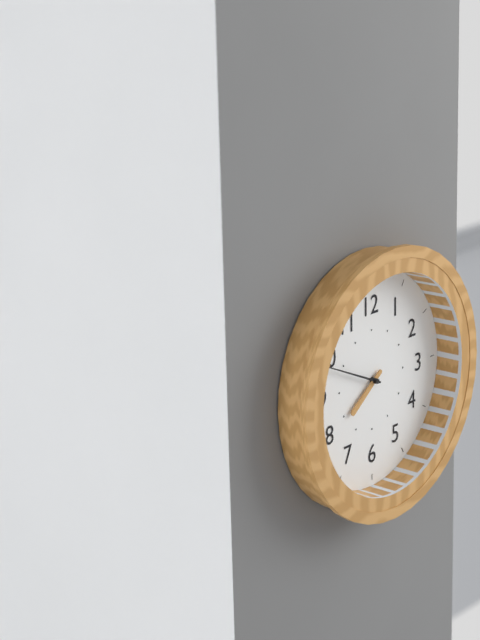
**7:49**
